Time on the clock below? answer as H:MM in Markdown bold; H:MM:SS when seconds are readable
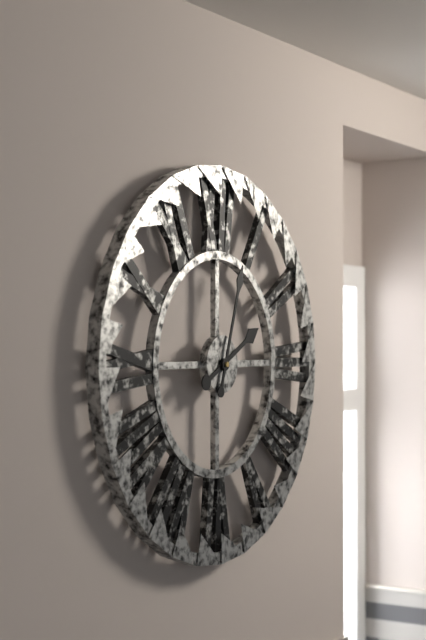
**2:03**
